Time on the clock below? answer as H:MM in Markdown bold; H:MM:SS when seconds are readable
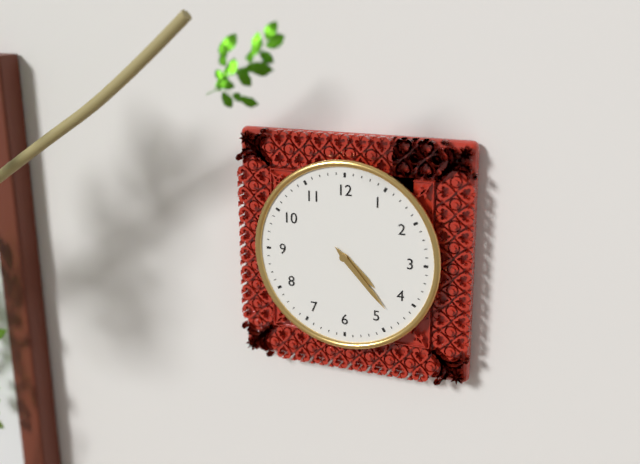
**4:23**
